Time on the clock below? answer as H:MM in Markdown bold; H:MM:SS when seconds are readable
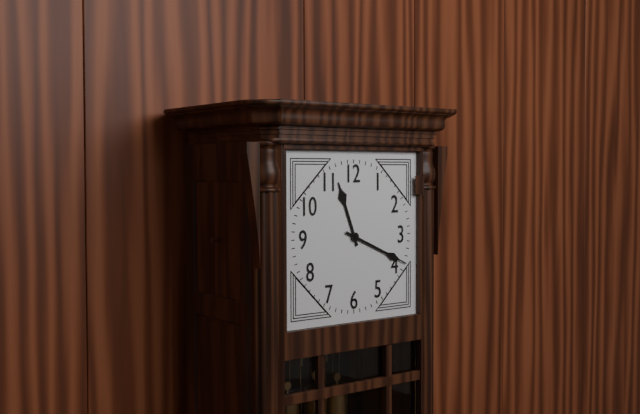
**11:19**
